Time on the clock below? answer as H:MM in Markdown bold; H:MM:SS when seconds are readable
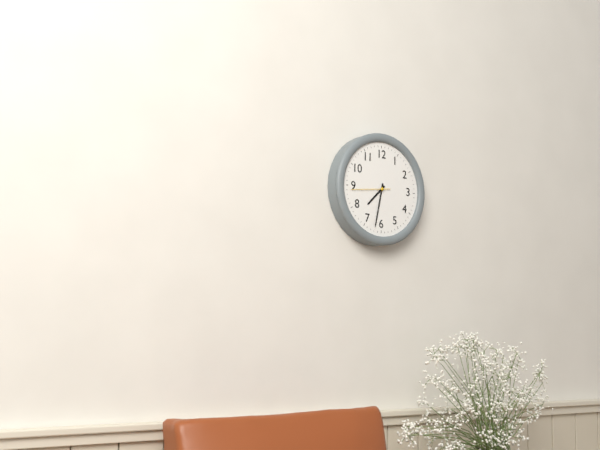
**7:32**
